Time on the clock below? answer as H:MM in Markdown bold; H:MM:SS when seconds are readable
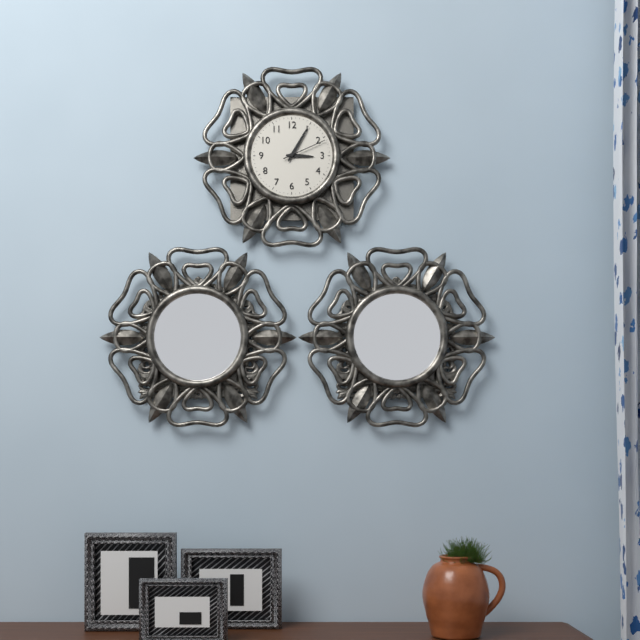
**3:05**
